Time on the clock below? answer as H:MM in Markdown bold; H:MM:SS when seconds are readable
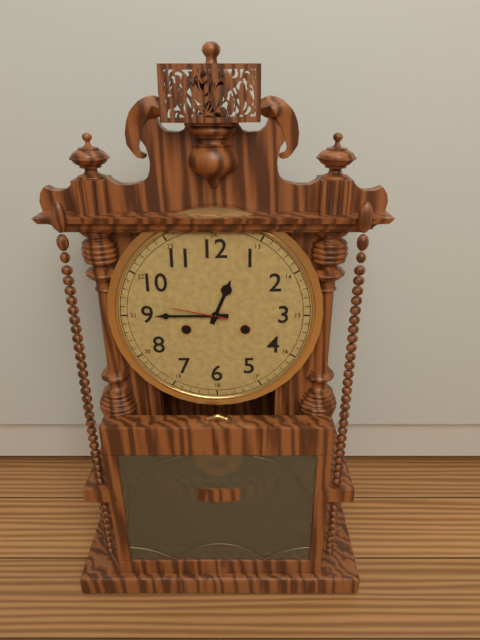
**12:45:47**
